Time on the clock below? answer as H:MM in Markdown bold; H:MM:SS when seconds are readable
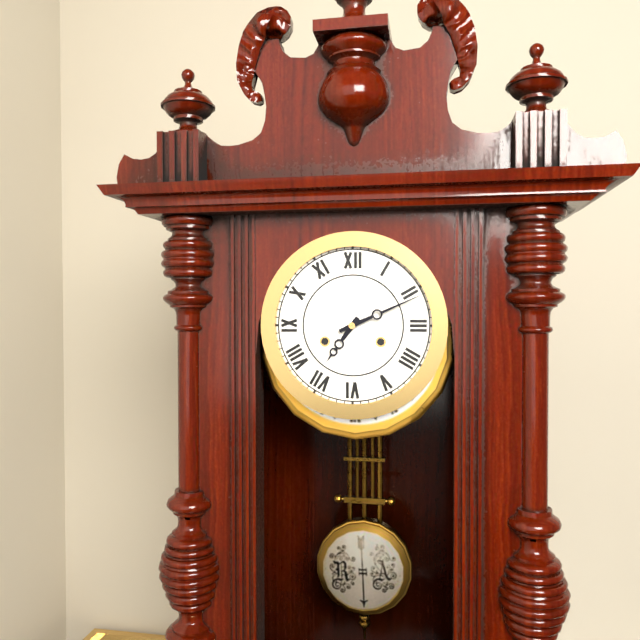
**7:11**
